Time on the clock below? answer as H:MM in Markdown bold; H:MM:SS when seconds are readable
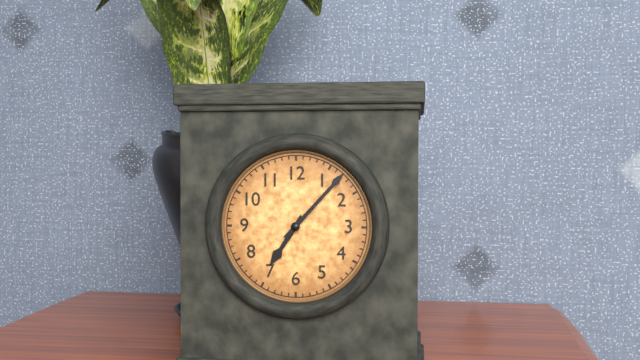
**7:07**
